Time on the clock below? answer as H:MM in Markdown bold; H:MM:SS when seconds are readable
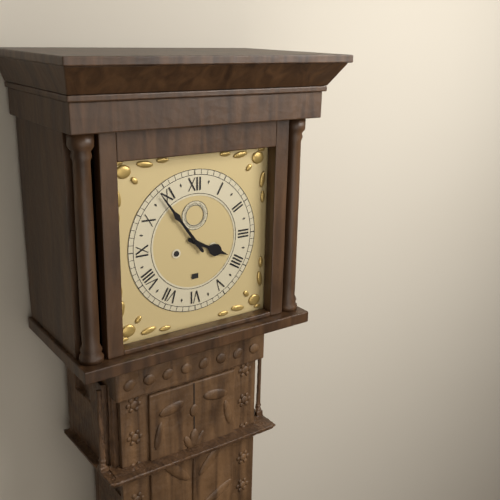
**3:54**
